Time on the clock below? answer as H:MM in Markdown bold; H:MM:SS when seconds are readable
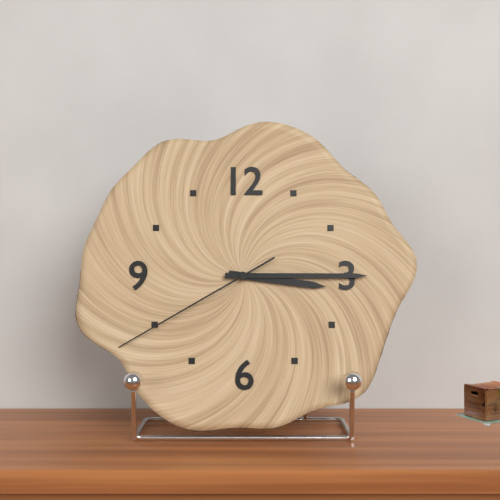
**3:15:40**
